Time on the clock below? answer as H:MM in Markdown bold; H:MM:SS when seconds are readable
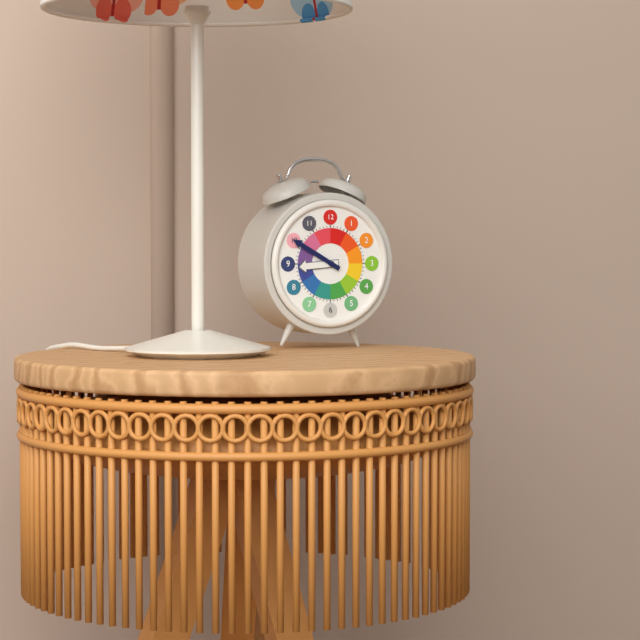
**8:50**
